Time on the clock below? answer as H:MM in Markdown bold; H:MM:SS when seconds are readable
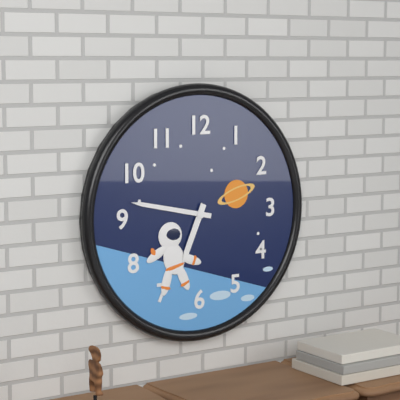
**6:47**
